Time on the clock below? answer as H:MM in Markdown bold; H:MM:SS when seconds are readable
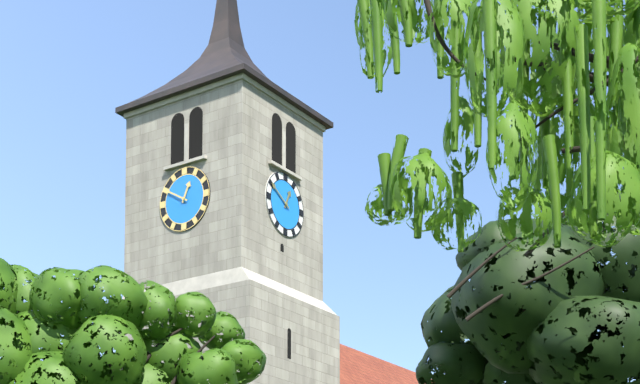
**12:50**
